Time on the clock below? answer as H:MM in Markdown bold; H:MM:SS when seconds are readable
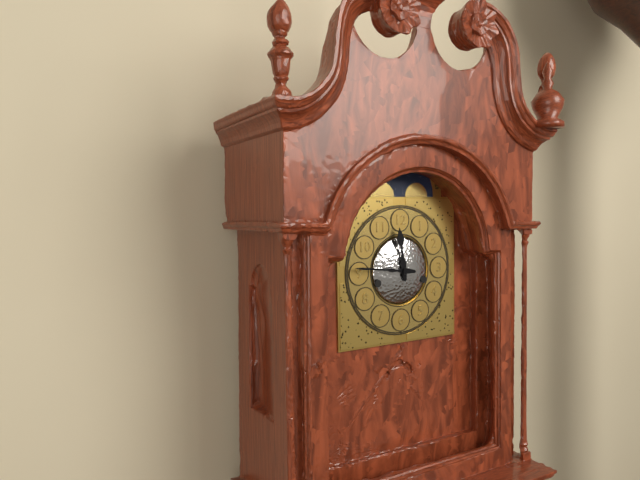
**11:46**
